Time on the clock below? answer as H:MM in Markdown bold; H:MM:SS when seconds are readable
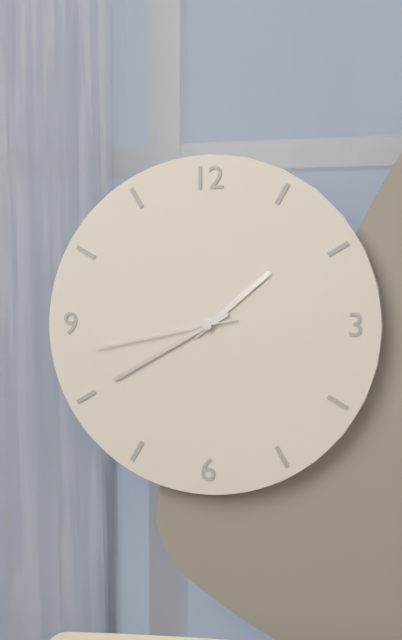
**1:40:43**
